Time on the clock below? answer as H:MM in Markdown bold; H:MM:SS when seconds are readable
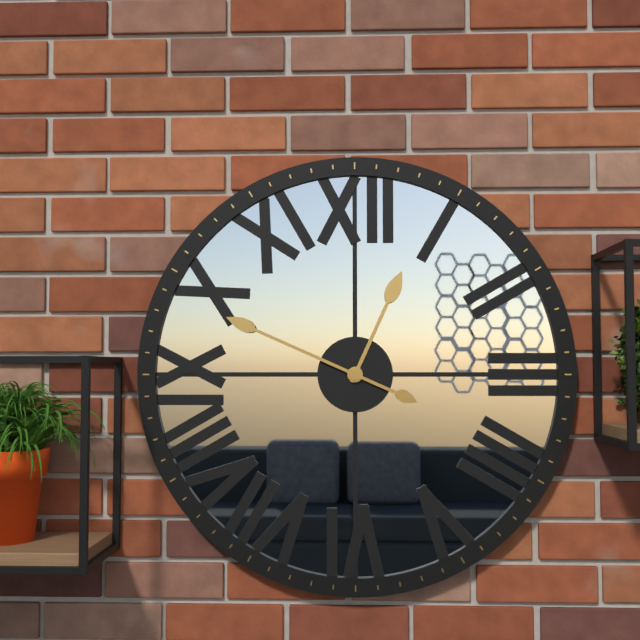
**12:49**
